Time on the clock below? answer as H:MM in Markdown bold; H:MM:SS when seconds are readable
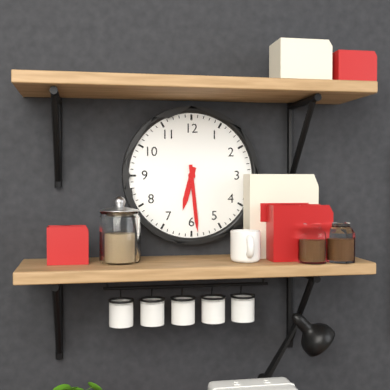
**6:29**
